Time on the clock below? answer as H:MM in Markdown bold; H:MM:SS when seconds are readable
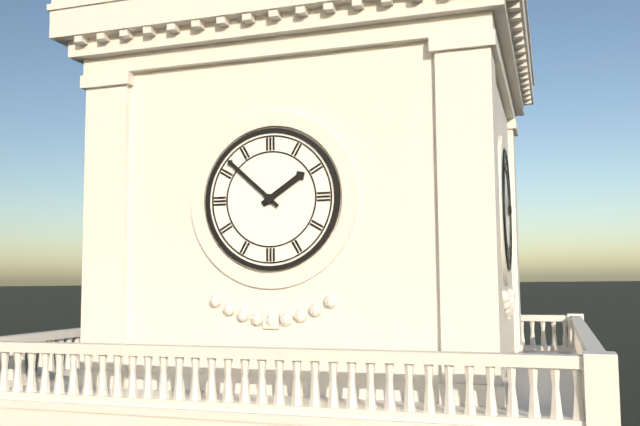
**1:52**
